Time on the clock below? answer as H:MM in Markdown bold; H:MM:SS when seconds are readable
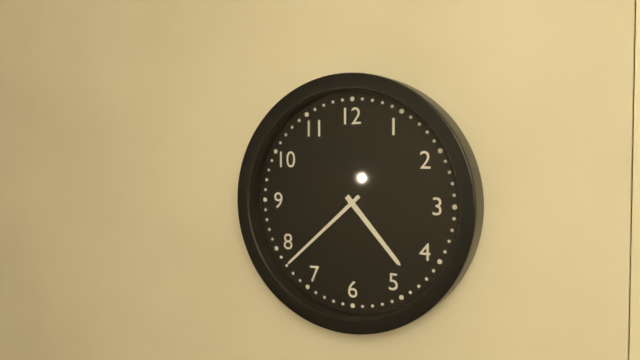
**4:38**
